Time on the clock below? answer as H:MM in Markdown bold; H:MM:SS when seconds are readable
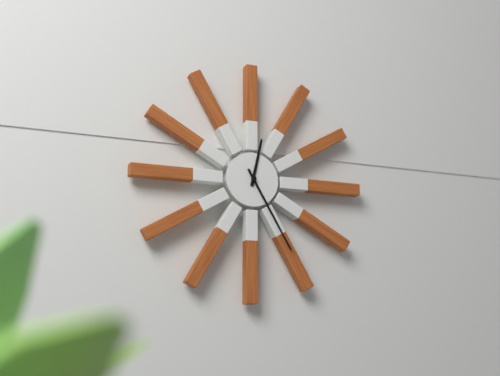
**12:25**
